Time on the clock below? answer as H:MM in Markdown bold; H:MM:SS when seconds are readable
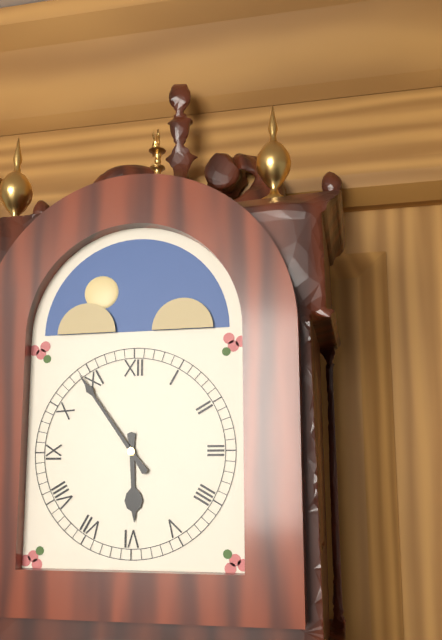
**5:54**
